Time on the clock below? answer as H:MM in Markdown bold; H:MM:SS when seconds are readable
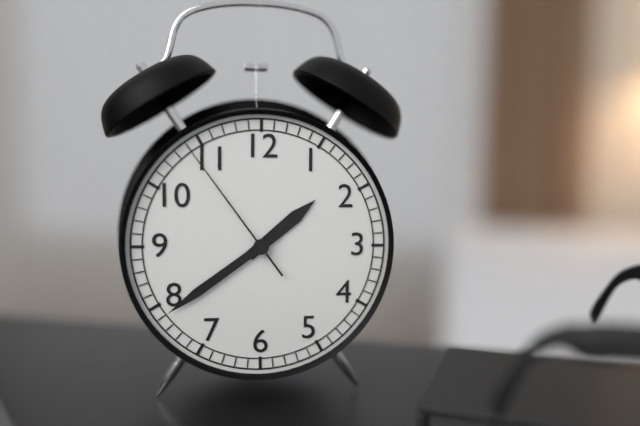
**1:39:54**
